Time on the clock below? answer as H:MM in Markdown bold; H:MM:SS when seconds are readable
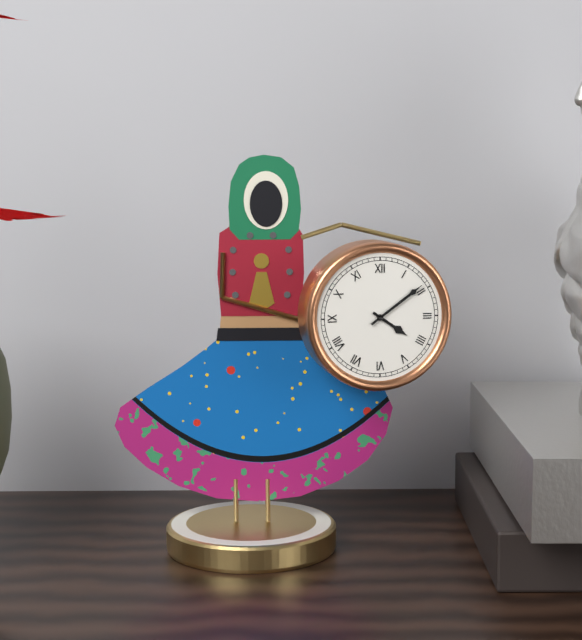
**4:09**
